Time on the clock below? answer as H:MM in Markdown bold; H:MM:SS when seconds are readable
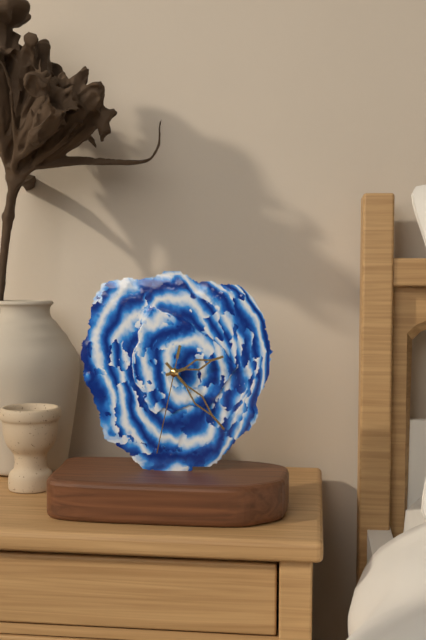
**2:23:32**
